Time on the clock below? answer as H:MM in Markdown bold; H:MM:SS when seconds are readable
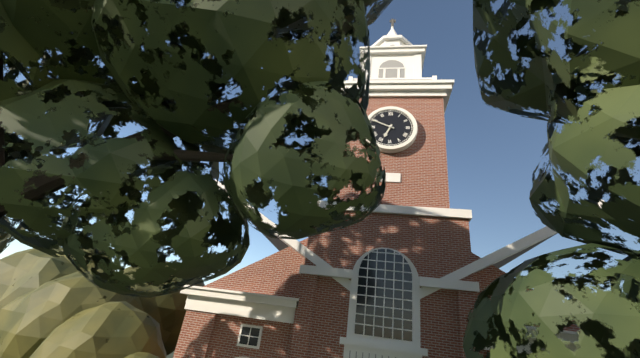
**6:49**
